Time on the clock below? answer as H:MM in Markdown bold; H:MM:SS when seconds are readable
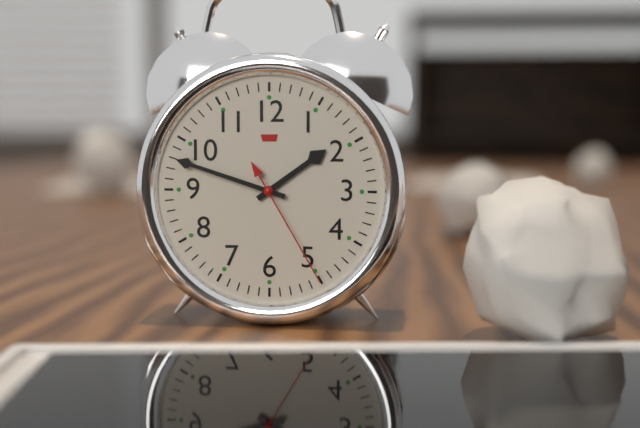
**1:48:25**
